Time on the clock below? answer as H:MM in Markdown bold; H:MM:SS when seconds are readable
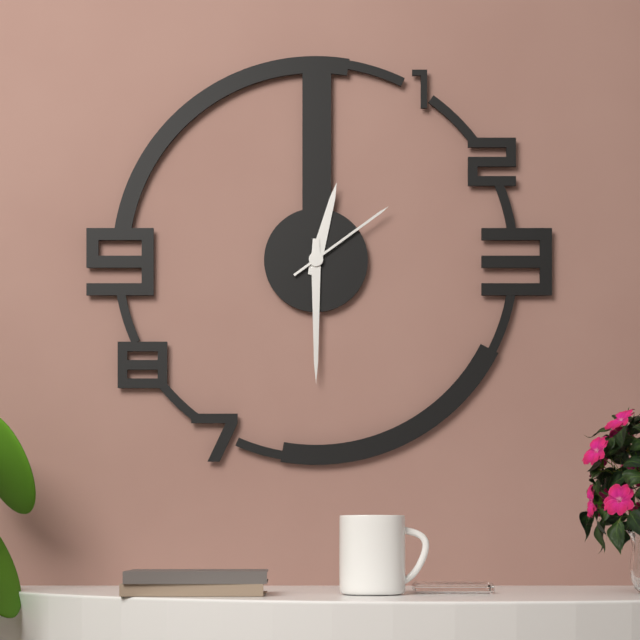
**12:30:09**
